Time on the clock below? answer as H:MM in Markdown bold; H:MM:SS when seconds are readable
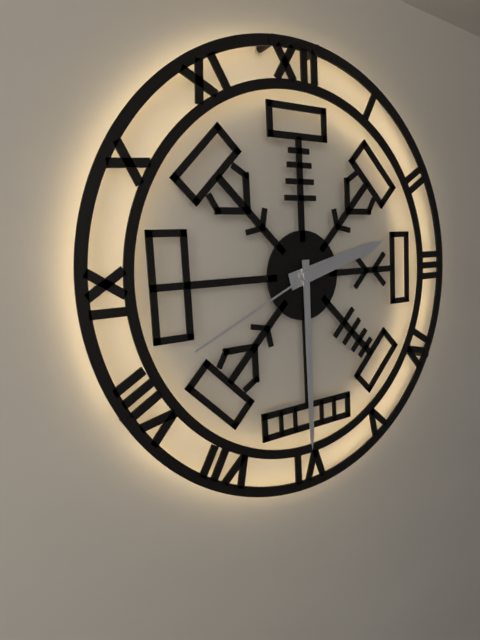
**2:30:41**
